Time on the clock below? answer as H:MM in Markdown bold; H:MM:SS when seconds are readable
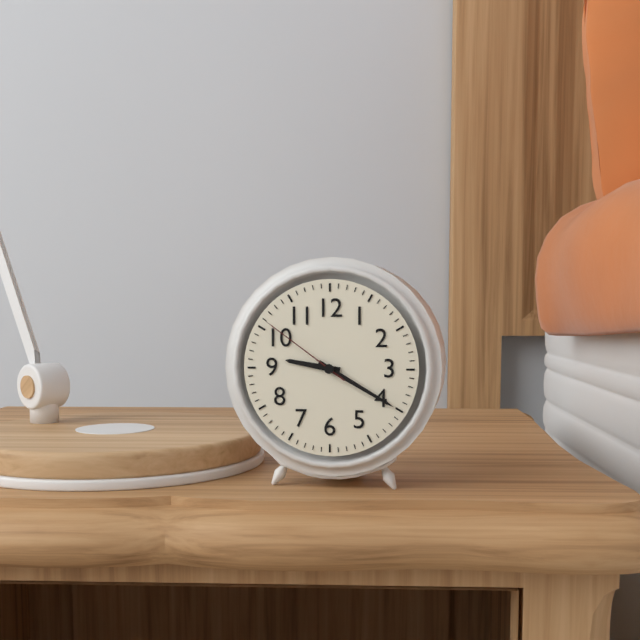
**9:20:51**
